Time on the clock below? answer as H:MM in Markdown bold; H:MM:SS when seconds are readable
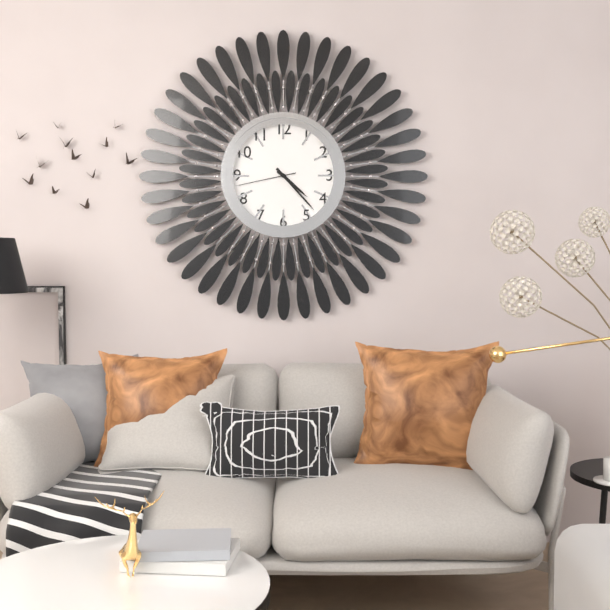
**4:23:43**
